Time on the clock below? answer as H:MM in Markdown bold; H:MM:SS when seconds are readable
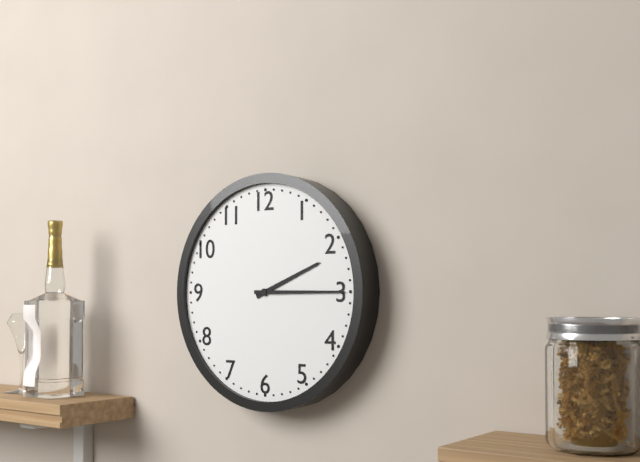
**2:15**
